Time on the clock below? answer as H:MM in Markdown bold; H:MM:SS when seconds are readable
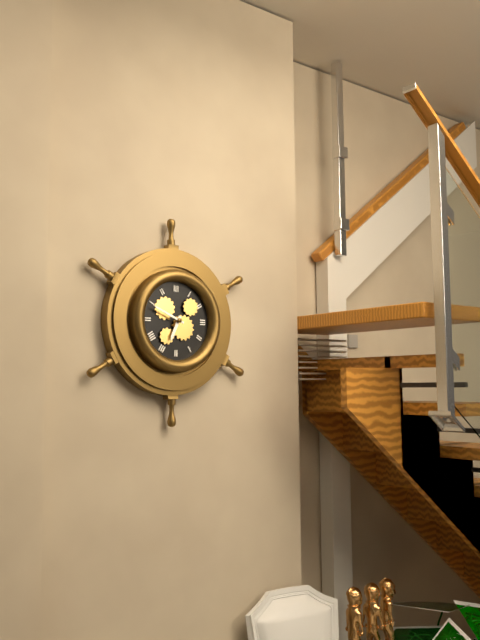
**6:49**
